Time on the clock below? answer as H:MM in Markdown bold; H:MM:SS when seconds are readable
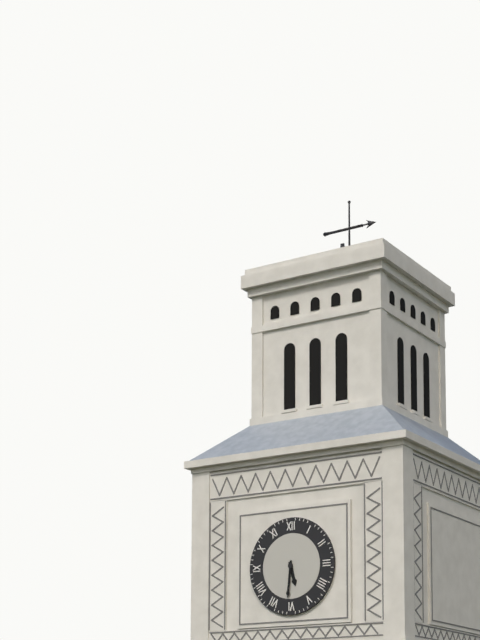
**5:31**
